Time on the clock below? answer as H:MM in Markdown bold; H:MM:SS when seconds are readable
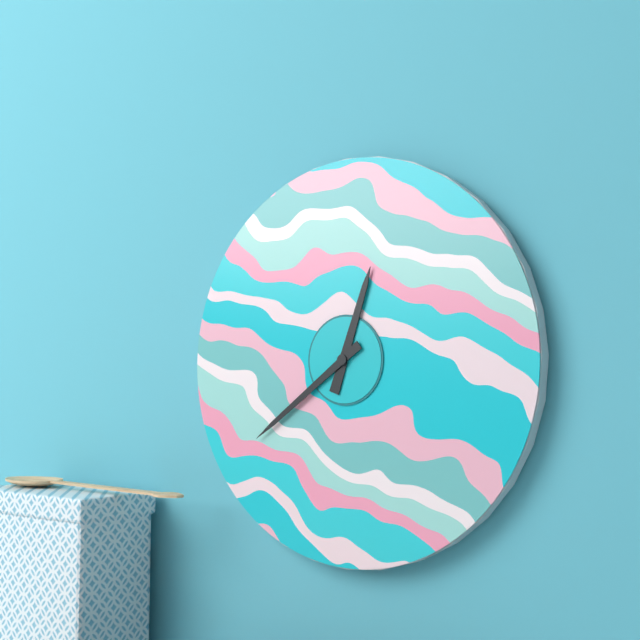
**12:39**
